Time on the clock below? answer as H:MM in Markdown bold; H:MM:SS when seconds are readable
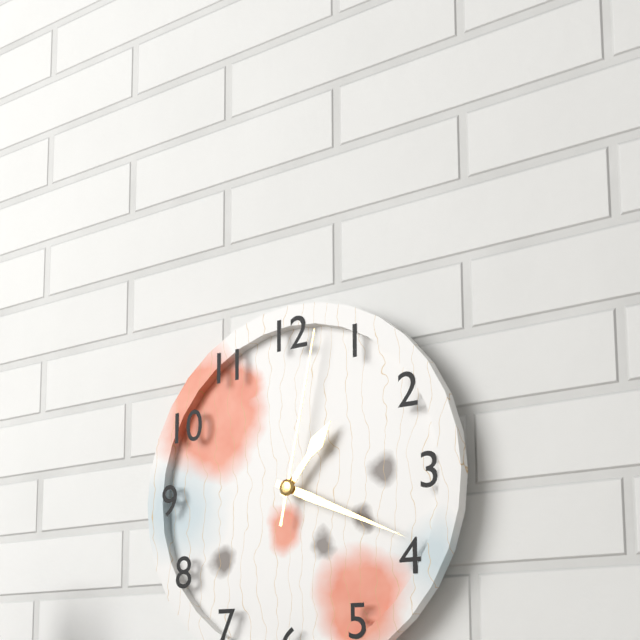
**1:19:02**
